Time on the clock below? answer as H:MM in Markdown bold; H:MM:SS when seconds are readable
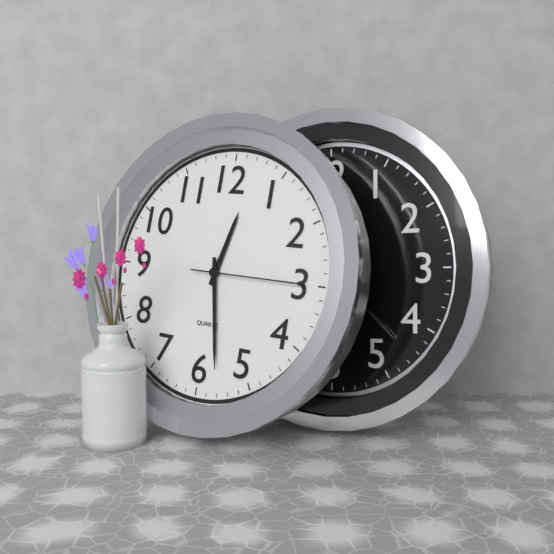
**12:28:15**
